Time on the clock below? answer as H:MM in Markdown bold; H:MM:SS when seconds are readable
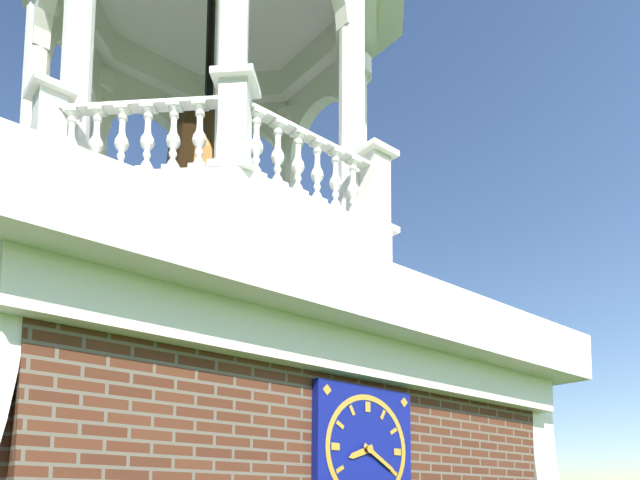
**8:20**
